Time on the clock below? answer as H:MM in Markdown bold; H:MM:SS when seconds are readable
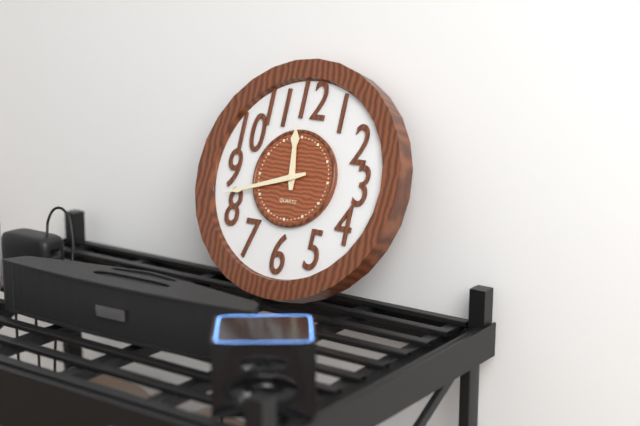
**11:42**
